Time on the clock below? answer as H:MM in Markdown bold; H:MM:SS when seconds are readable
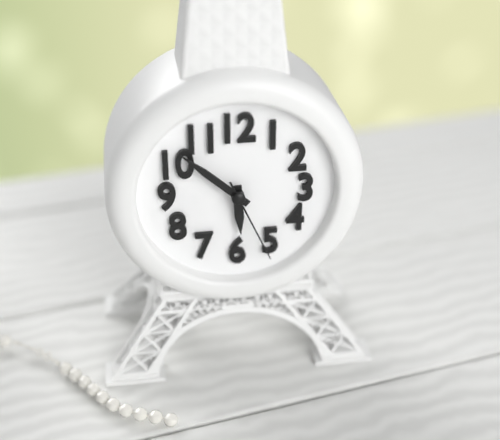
**5:52:26**
